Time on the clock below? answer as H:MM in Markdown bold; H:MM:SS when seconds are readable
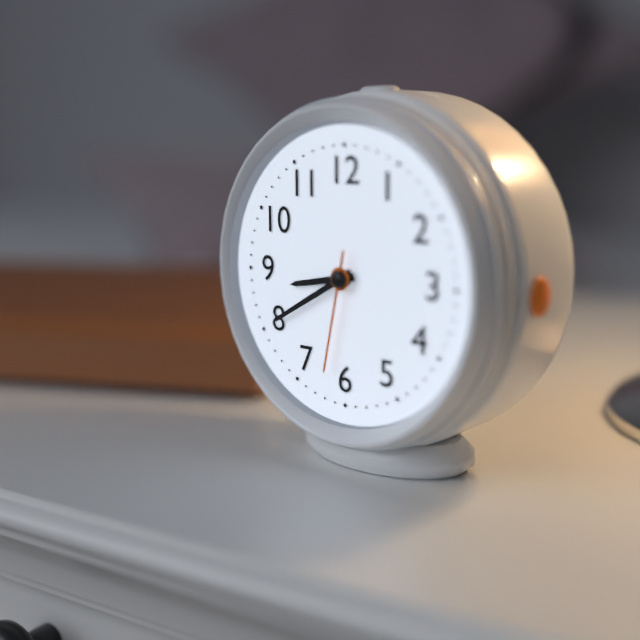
**8:40:32**
